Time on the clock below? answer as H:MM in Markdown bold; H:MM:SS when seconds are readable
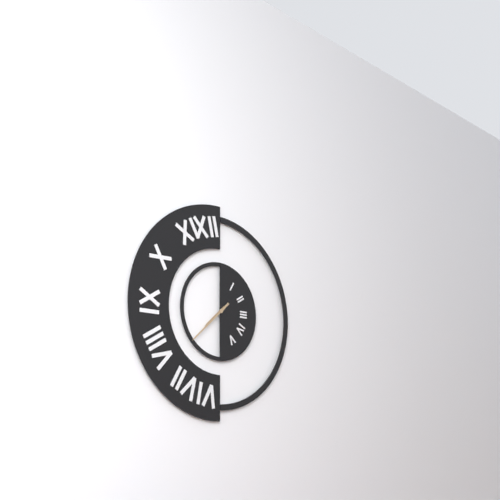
**7:38**
